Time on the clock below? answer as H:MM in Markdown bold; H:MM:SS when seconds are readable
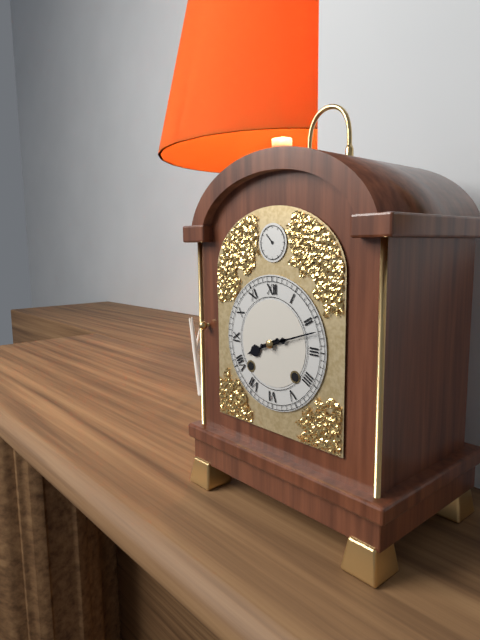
**8:12**
